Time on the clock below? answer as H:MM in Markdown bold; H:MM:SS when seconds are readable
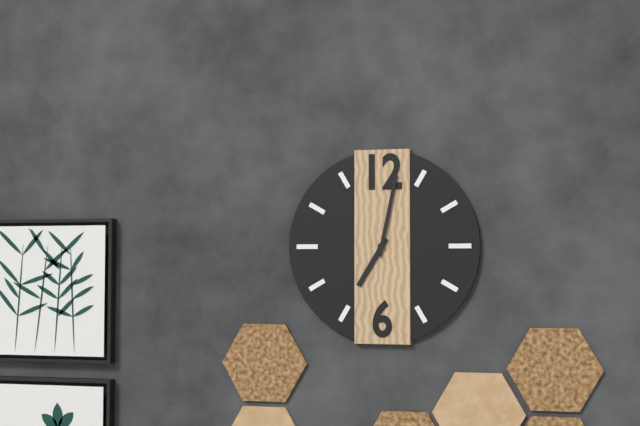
**7:02**
